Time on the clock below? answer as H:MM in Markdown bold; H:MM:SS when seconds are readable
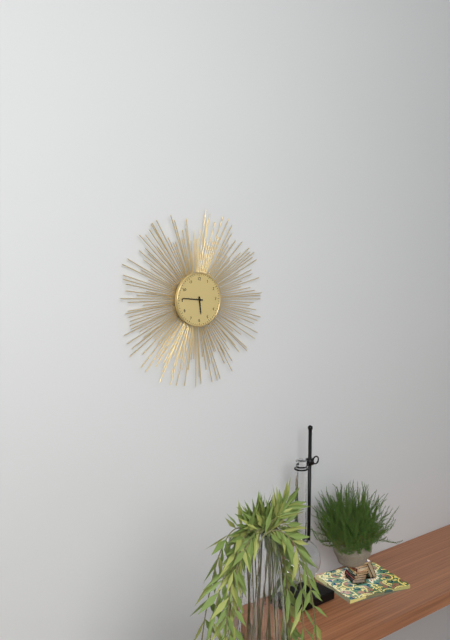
**5:46**
